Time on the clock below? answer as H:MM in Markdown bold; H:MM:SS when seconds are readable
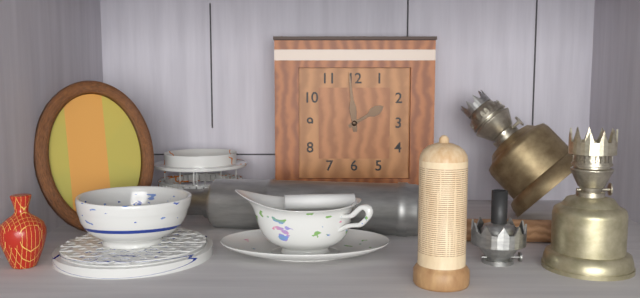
**1:59**
